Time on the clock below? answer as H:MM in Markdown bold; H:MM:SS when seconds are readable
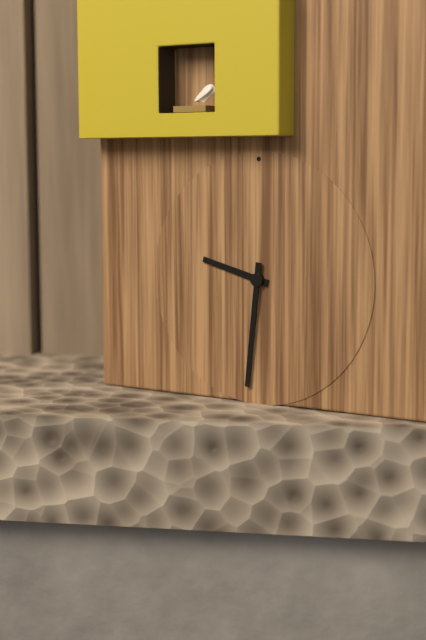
**9:31**
